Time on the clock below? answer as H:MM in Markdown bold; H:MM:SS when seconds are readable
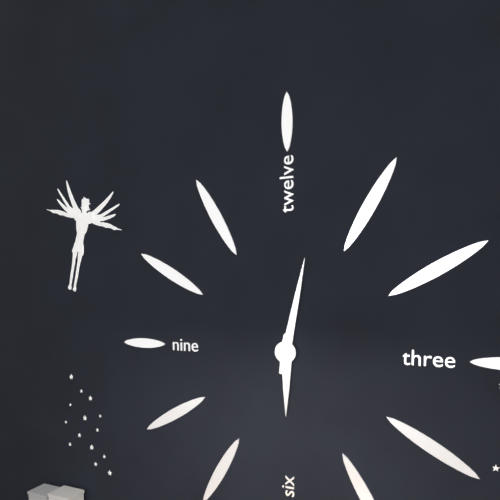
**6:02**
